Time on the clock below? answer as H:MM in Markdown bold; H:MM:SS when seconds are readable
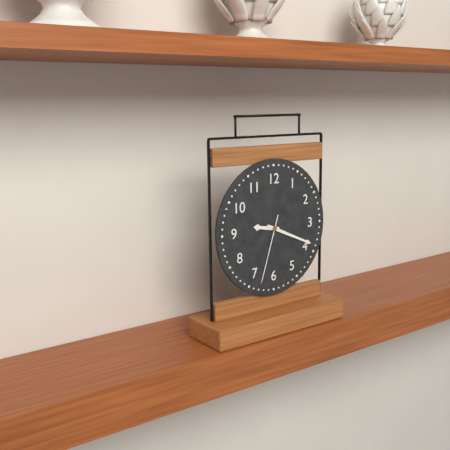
**9:19:33**
